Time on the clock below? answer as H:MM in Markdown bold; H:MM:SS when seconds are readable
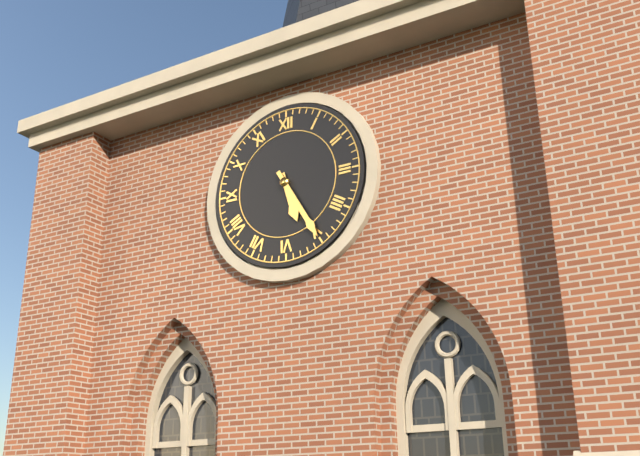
**5:25**
